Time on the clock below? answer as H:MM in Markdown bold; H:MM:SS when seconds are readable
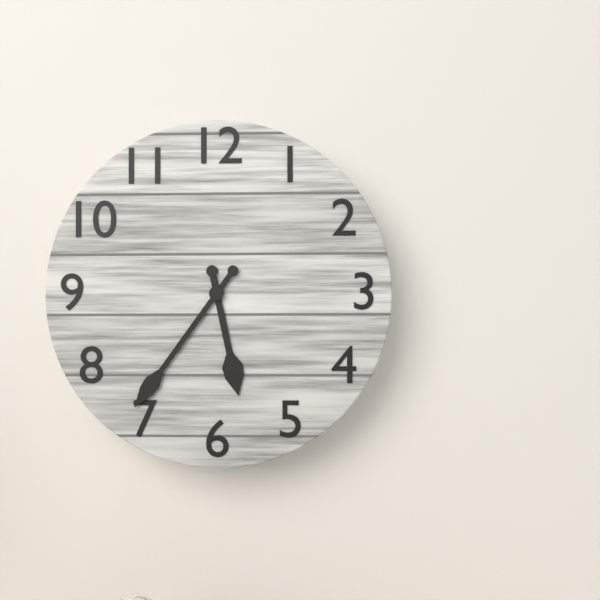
**5:36**
